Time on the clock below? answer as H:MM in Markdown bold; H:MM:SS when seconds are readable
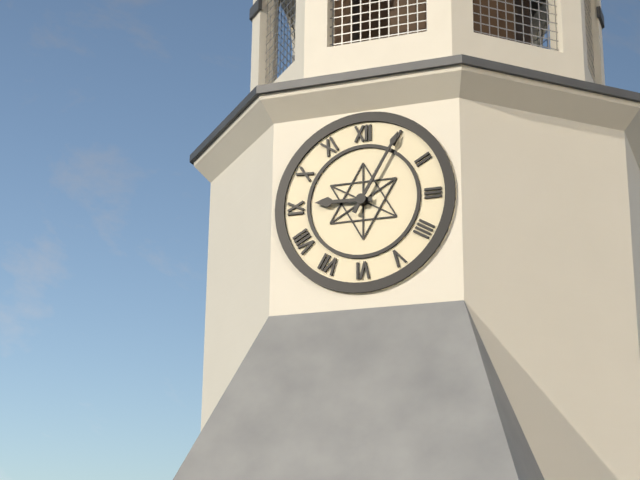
**9:05**
